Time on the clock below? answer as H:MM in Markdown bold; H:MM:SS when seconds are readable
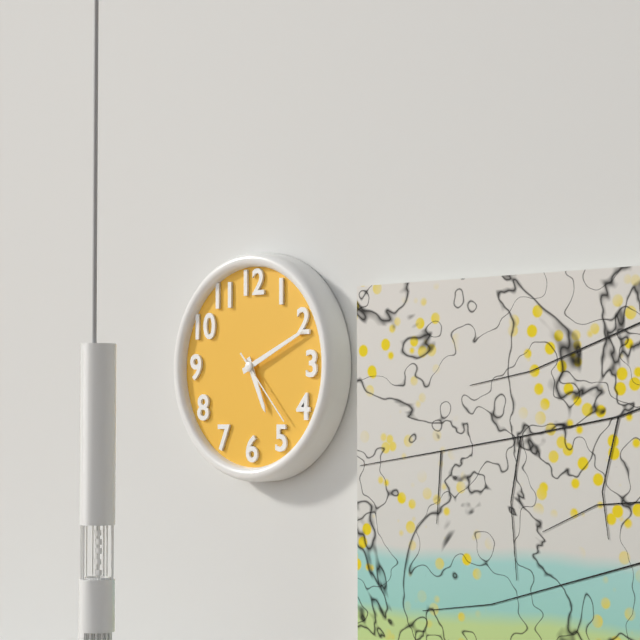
**5:11:23**
